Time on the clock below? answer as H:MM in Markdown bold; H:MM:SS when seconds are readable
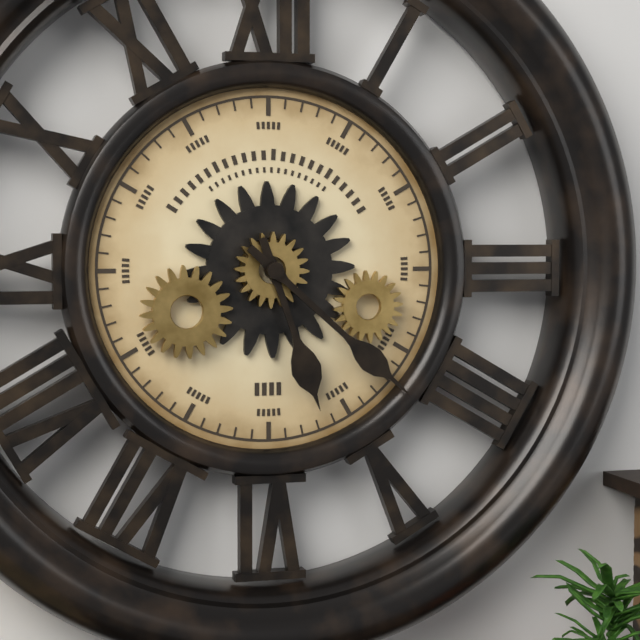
**5:22**
